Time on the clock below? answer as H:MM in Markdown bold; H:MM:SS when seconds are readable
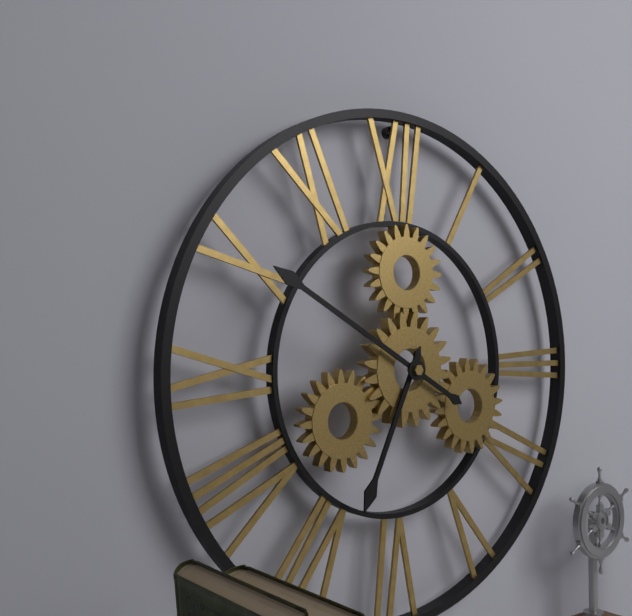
**6:50**
